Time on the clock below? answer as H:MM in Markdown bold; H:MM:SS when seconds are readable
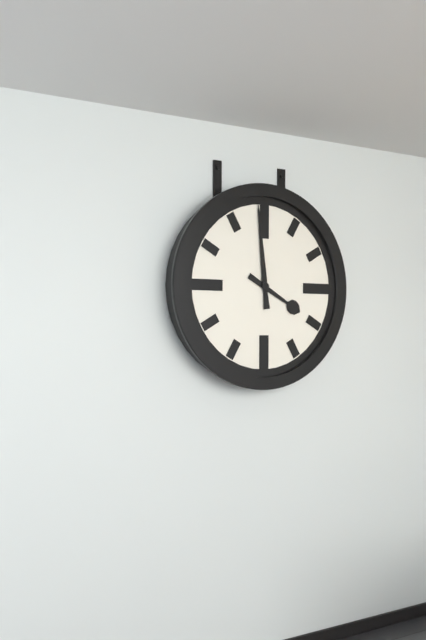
**3:59**
